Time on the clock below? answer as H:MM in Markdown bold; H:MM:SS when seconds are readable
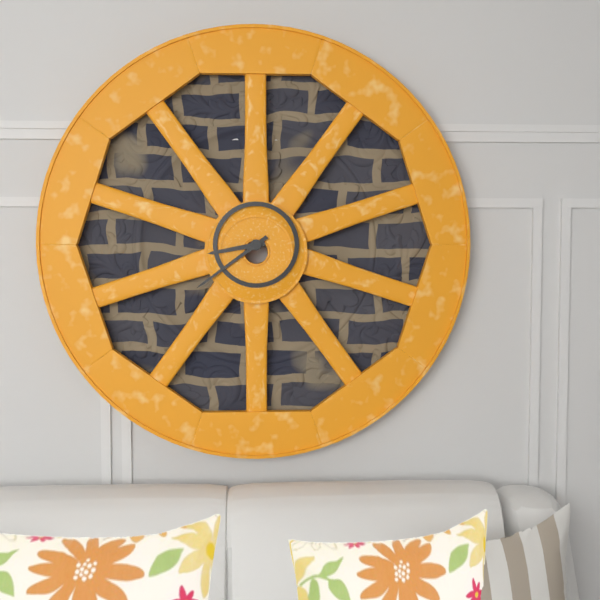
**8:39**
